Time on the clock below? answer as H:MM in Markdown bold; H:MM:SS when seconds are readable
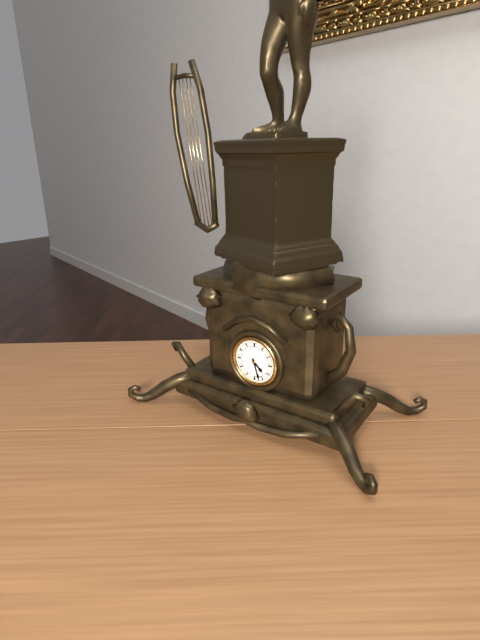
**4:27**
